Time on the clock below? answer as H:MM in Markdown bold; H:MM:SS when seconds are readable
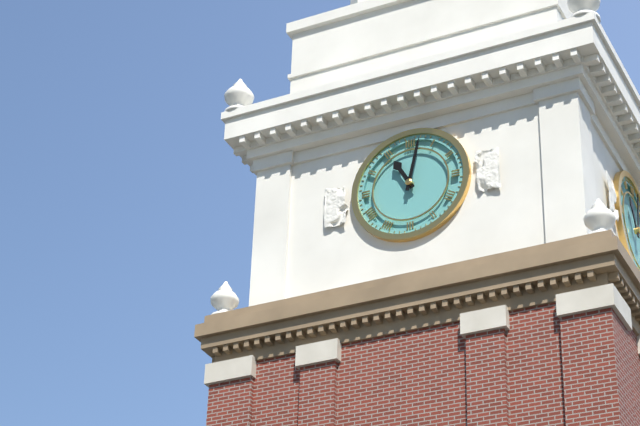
**11:02**
